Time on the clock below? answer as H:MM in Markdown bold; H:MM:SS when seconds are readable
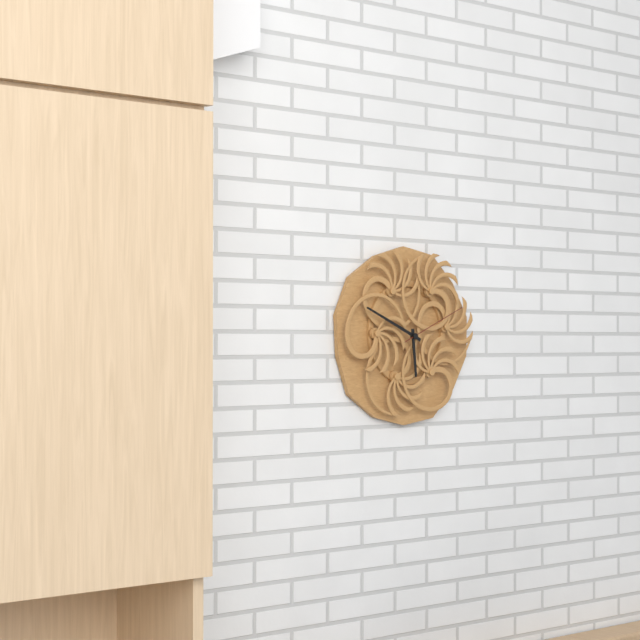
**5:49:11**
